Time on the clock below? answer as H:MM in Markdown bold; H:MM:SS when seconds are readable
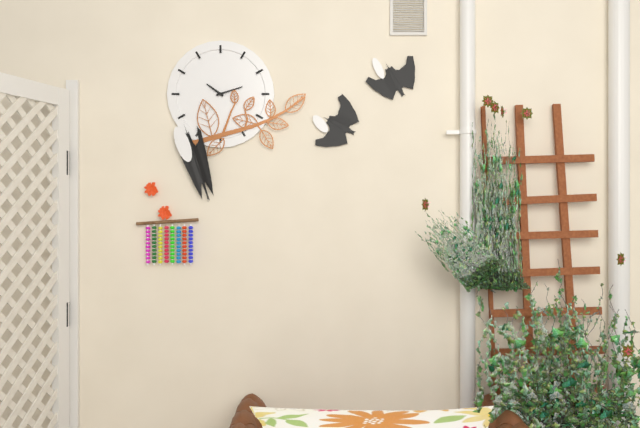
**10:12**
